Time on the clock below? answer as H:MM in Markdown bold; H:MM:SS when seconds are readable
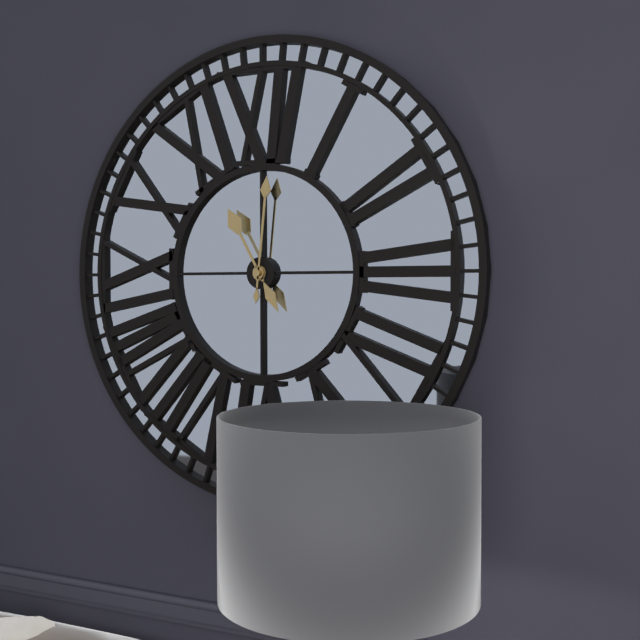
**11:01**
